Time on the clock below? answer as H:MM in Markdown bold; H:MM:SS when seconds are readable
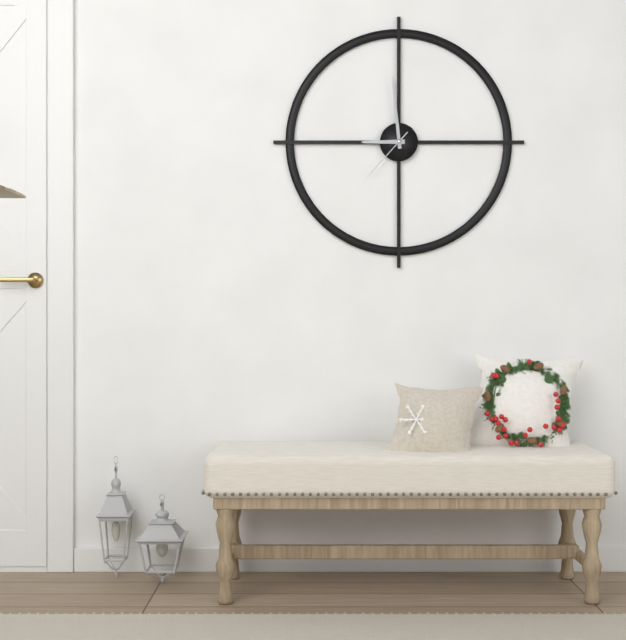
**8:59:37**
